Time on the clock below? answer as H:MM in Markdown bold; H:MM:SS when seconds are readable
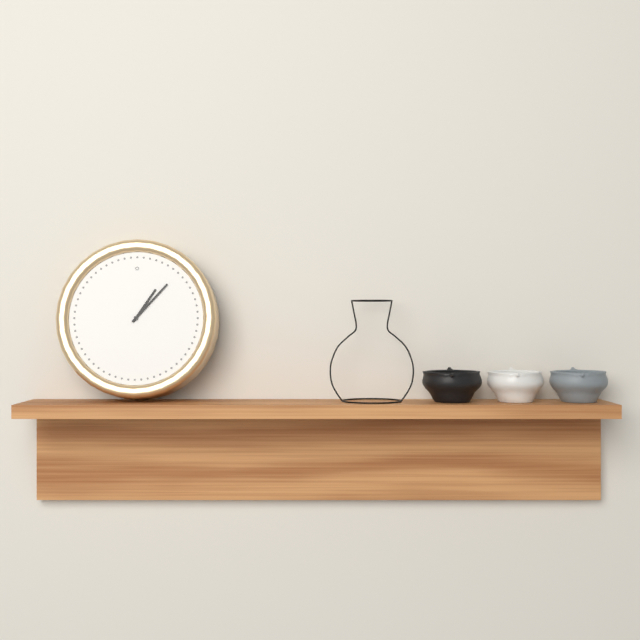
**1:07**
